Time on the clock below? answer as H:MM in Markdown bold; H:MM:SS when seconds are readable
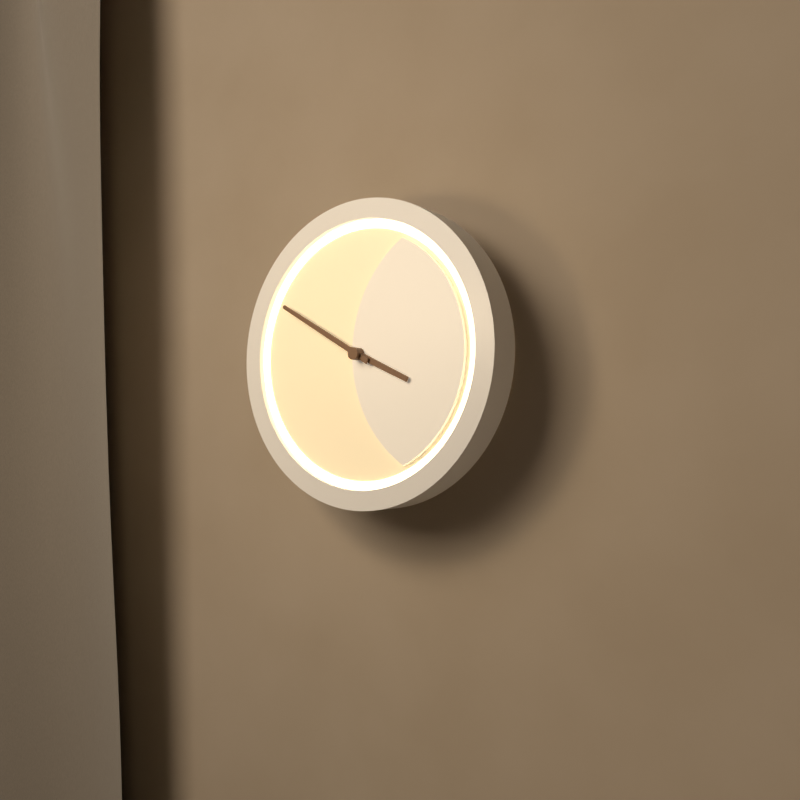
**3:50**
